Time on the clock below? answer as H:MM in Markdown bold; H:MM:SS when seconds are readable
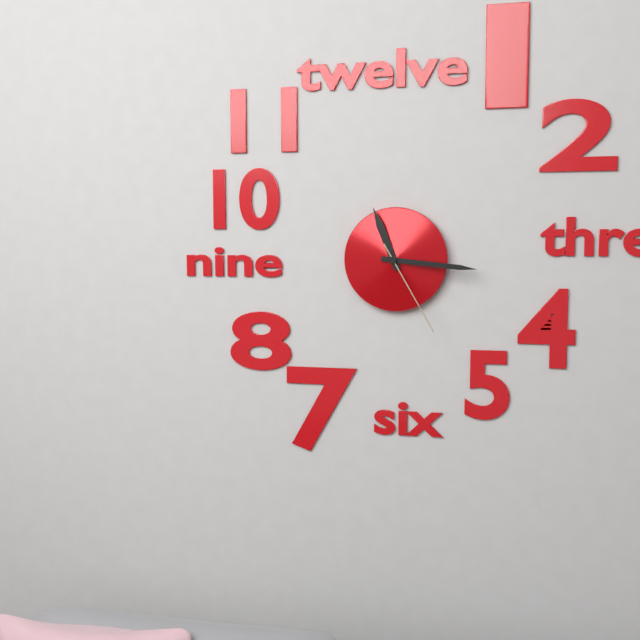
**11:16:25**
